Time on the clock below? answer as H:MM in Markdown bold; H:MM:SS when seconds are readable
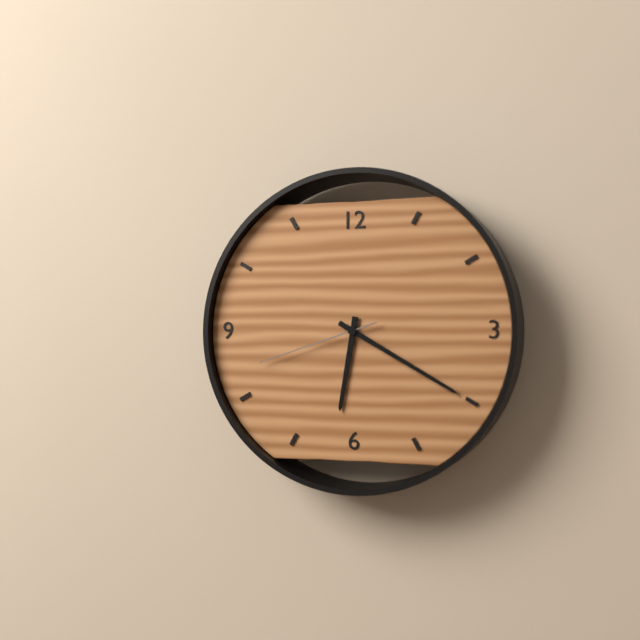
**6:20:42**
